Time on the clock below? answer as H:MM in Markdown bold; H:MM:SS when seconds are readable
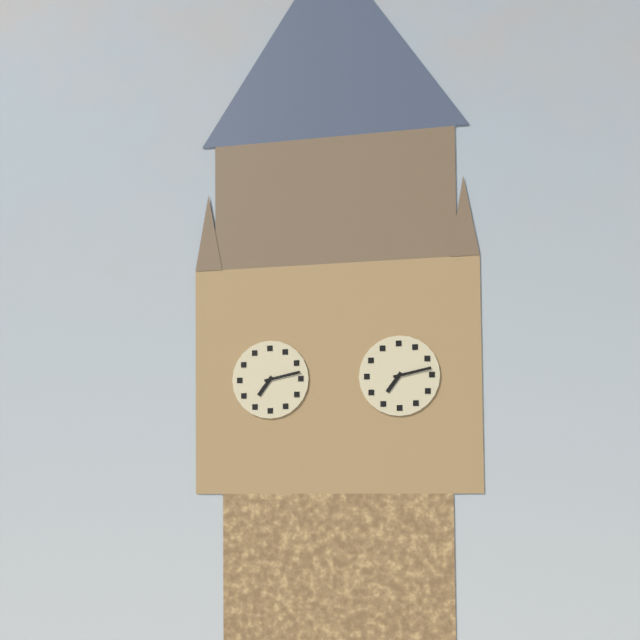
**7:13**
